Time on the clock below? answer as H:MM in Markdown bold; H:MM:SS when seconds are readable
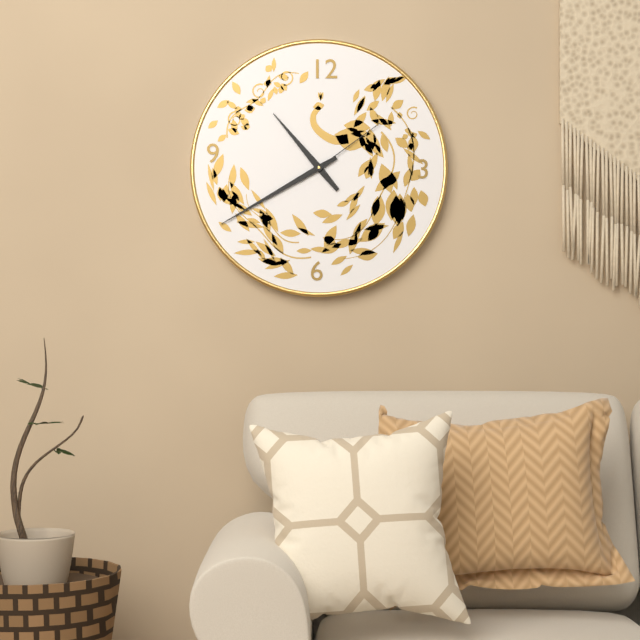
**10:40:09**
